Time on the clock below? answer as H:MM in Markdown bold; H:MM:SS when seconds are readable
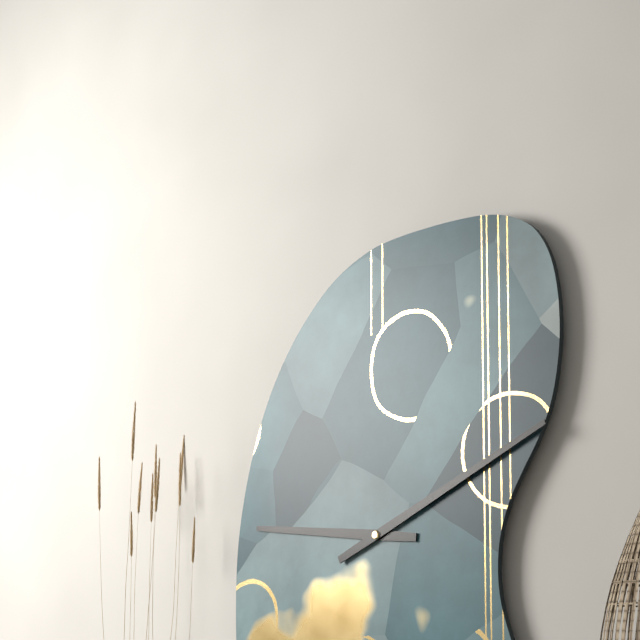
**9:11**
